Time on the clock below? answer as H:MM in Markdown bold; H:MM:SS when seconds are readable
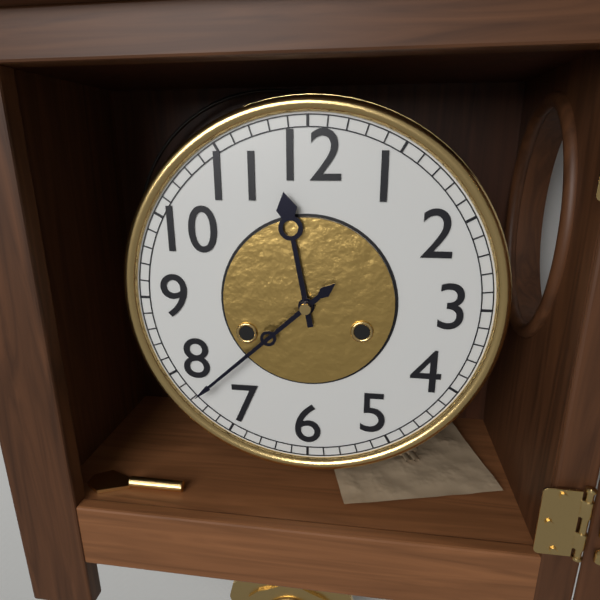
**11:38**
